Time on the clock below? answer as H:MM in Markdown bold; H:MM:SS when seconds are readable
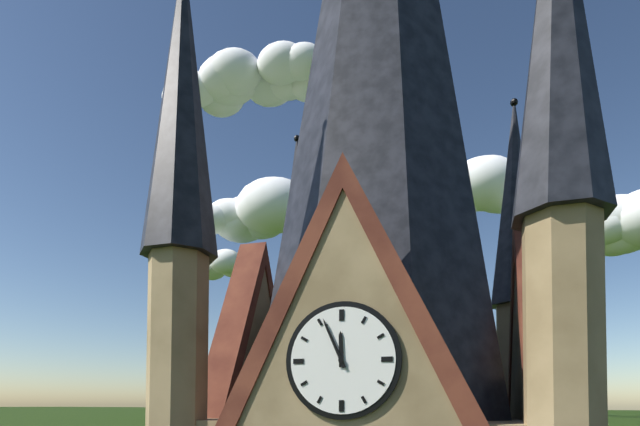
**11:56**
